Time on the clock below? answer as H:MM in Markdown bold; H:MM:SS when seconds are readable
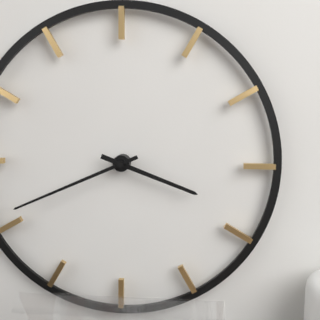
**3:41**
